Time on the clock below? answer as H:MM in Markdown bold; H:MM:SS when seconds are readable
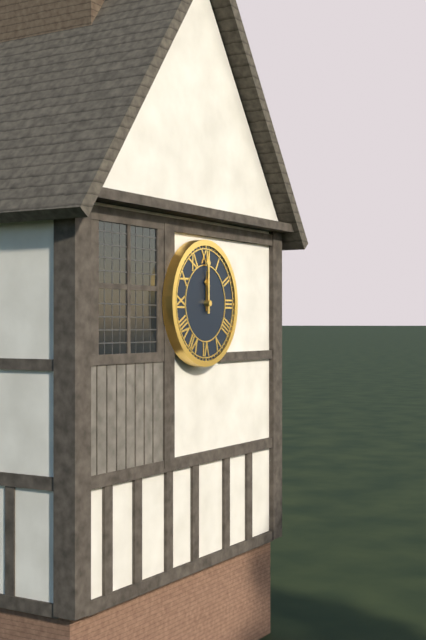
**12:00**
